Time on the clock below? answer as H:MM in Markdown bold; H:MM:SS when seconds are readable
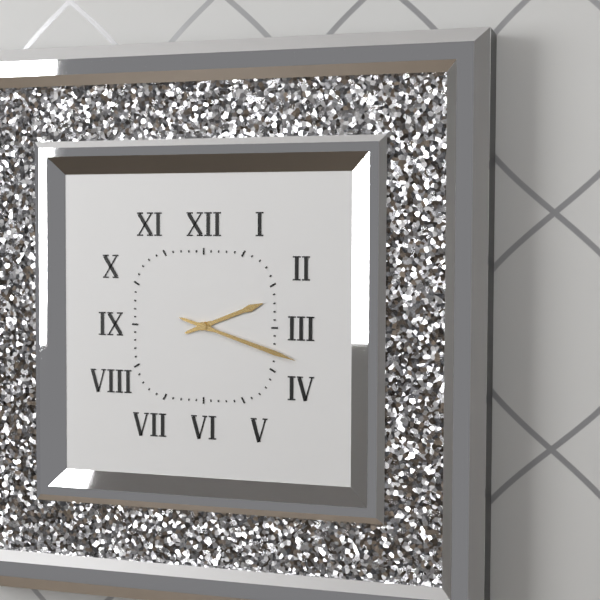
**2:18**
